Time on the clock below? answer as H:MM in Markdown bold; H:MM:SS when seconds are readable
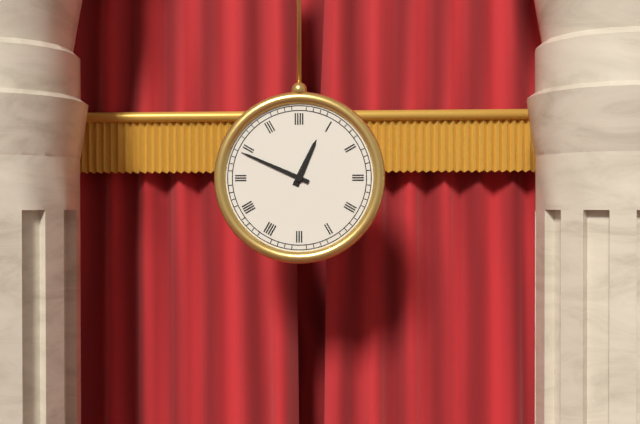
**12:49**
